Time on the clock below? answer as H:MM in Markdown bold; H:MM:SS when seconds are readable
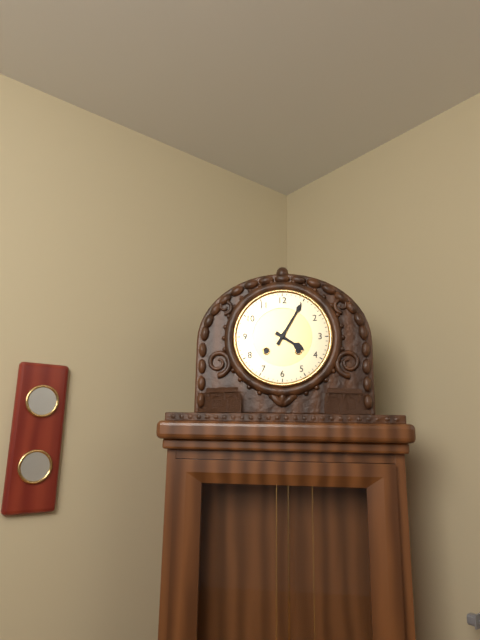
**4:05**
